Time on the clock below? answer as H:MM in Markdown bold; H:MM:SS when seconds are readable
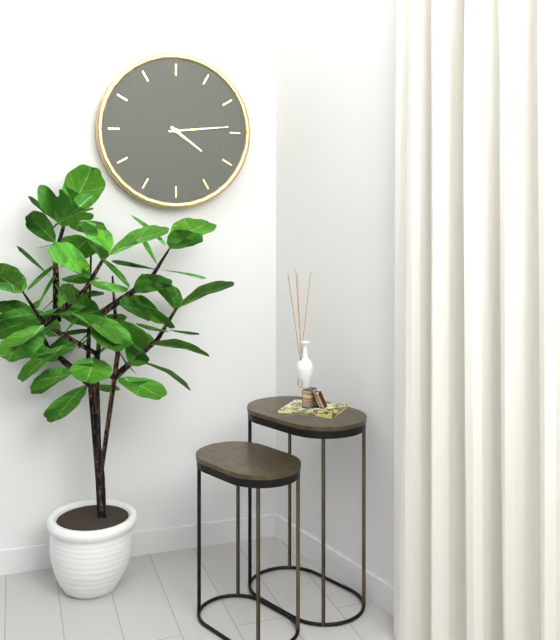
**4:14**
